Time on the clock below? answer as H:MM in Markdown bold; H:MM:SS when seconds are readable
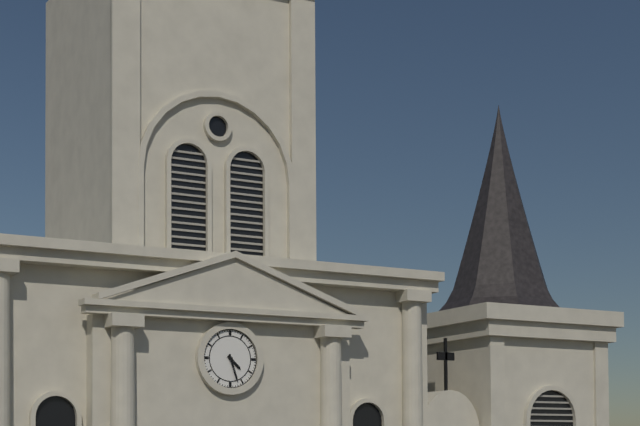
**4:27**
